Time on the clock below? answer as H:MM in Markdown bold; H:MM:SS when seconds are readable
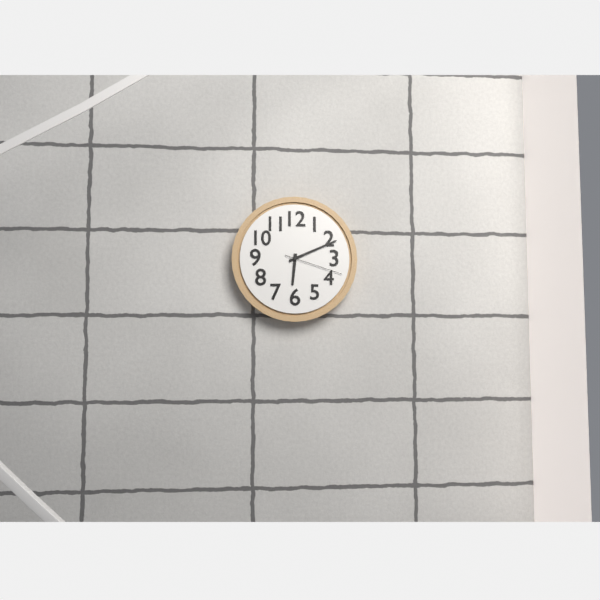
**6:11:18**
